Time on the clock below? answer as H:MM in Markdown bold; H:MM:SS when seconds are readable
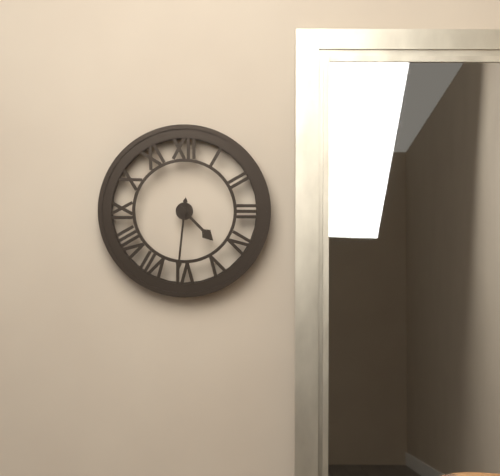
**4:31**
